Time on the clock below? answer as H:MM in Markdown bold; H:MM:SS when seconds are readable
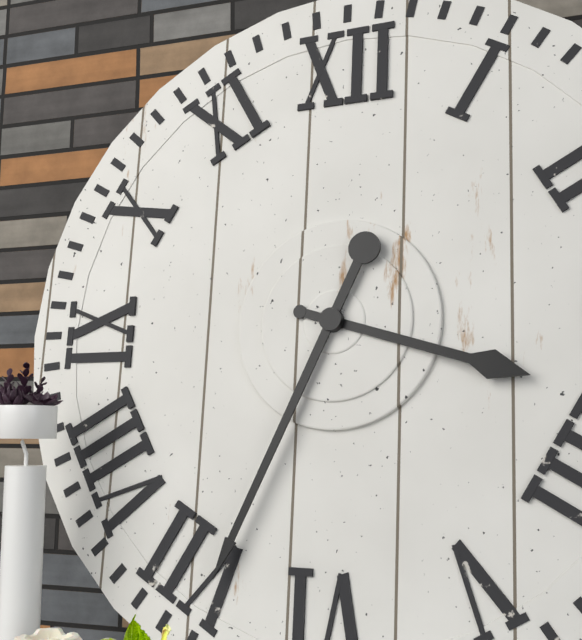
**3:34**
